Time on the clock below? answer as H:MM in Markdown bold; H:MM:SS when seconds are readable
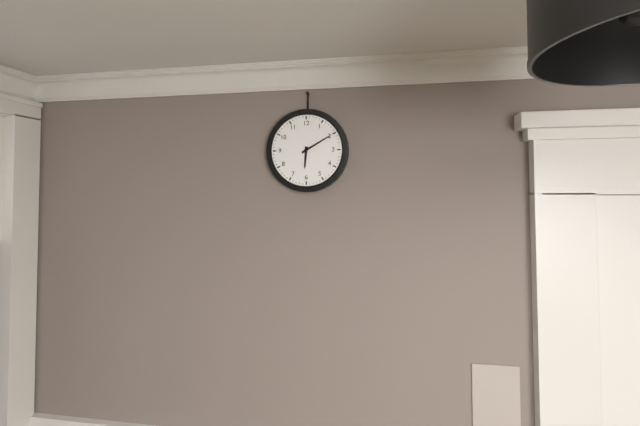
**6:10**
